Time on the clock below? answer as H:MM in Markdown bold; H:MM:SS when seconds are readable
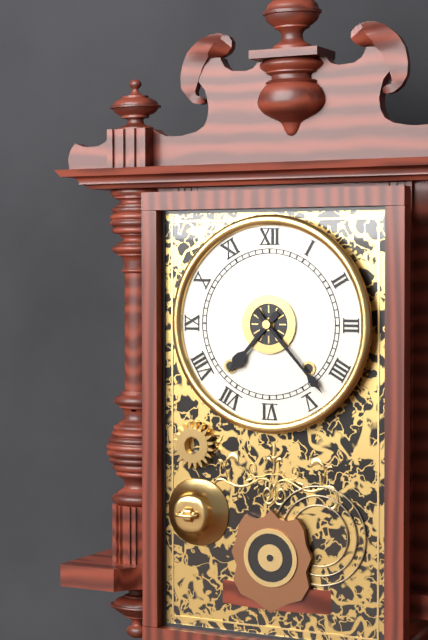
**7:23**
